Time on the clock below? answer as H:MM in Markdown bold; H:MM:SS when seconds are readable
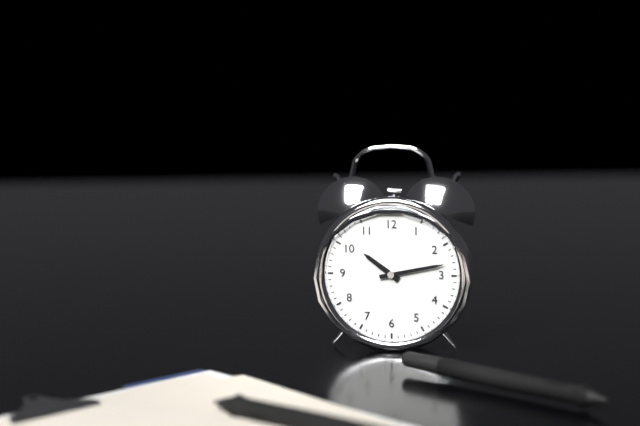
**10:13**
